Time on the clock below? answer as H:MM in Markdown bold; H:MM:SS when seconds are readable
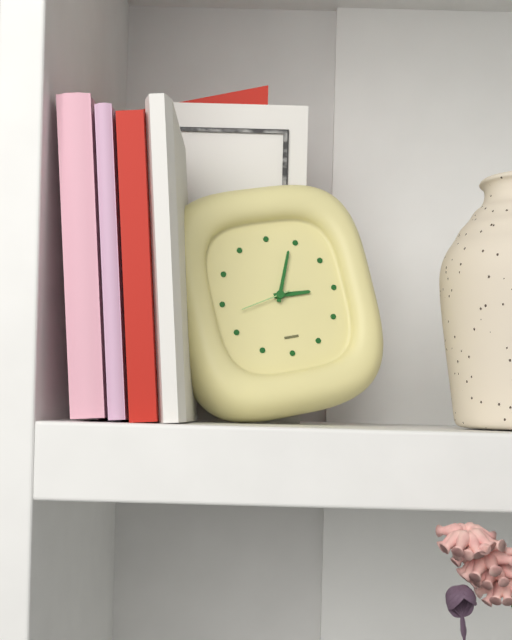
**3:04**
